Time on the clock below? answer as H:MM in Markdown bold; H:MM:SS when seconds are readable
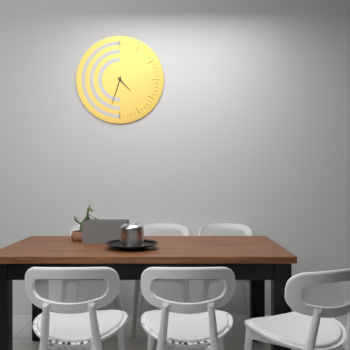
**4:33**
